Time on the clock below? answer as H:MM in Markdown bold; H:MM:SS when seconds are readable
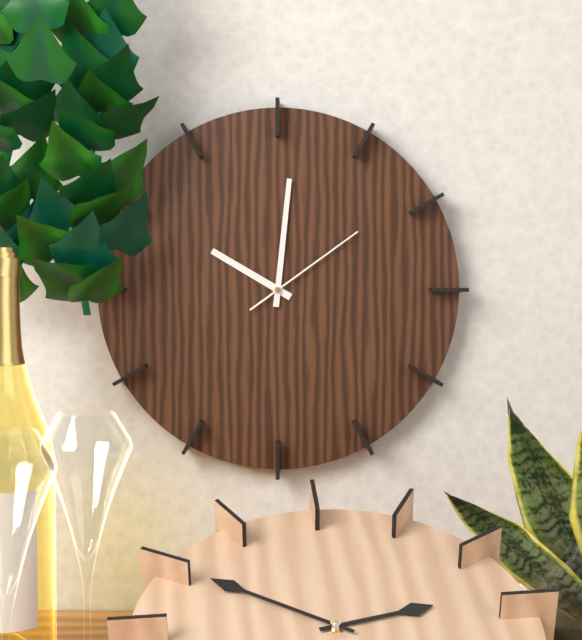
**10:01:09**
